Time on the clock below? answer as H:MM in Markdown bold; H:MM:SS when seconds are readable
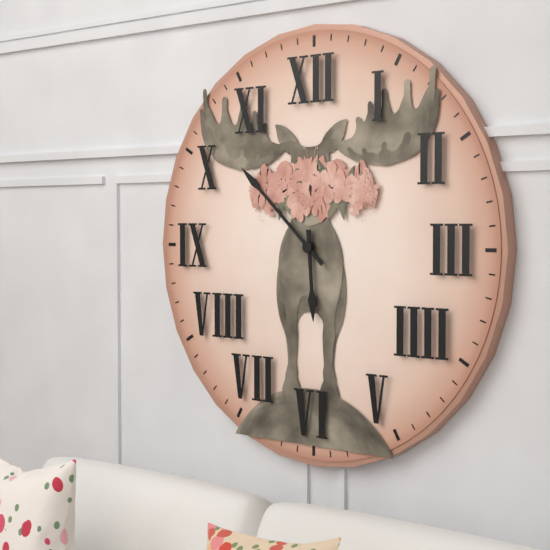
**5:52**
